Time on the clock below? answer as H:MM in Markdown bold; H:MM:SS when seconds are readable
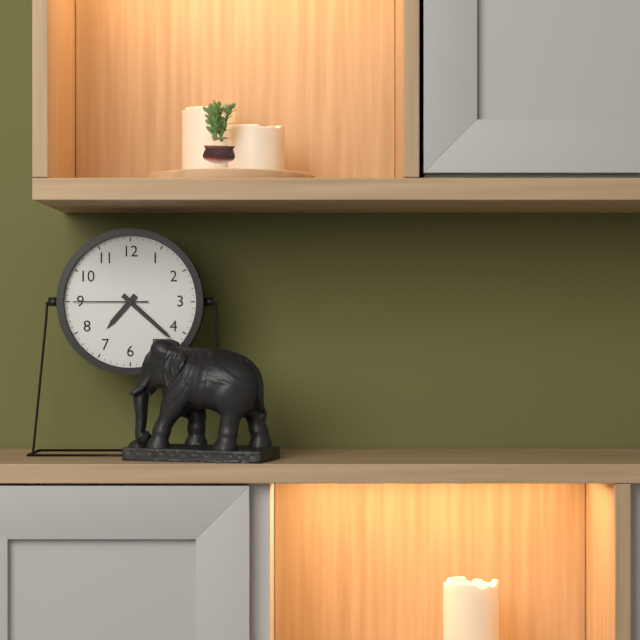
**7:22:45**
